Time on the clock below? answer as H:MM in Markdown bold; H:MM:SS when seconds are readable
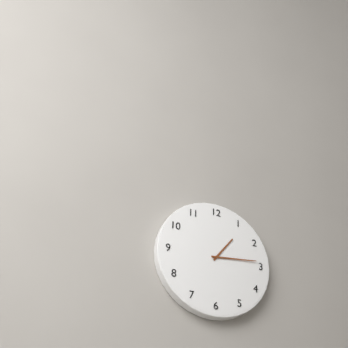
**1:14**
